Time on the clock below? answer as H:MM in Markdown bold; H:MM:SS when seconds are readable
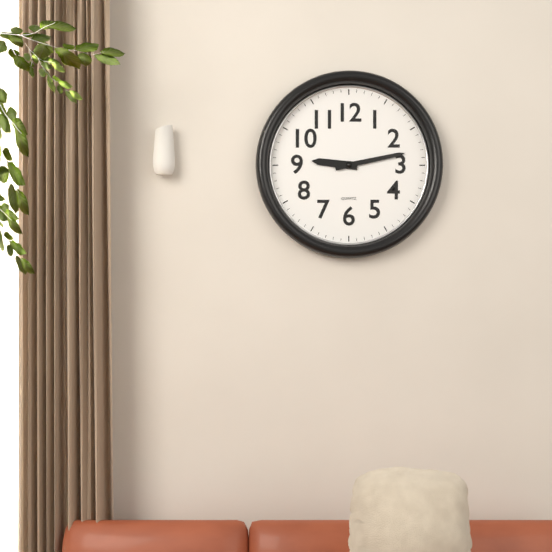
**9:13**
